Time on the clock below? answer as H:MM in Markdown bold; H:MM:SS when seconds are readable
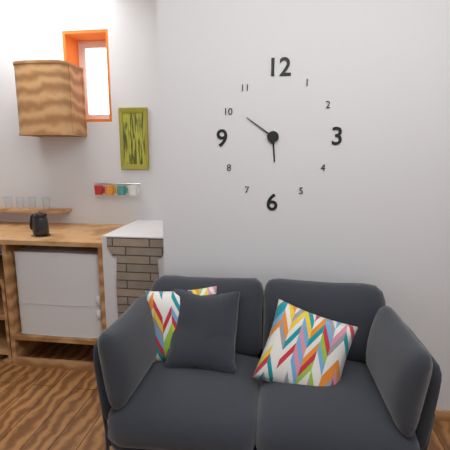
**5:51**
